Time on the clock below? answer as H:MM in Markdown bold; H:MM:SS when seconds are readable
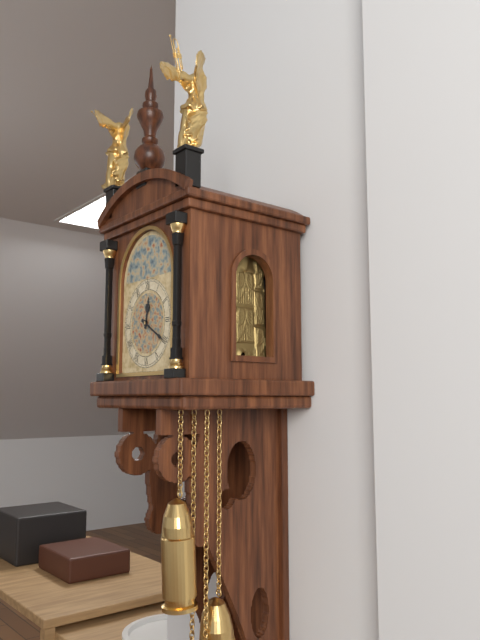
**12:20**
